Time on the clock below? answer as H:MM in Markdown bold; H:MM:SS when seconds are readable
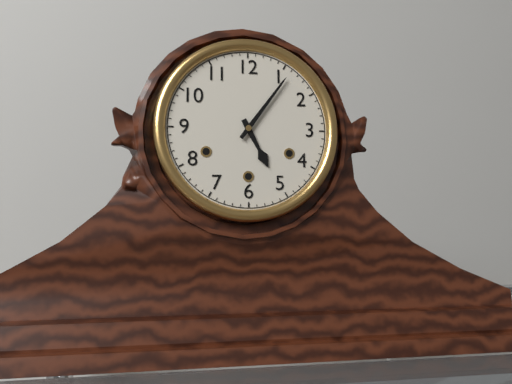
**5:06**
